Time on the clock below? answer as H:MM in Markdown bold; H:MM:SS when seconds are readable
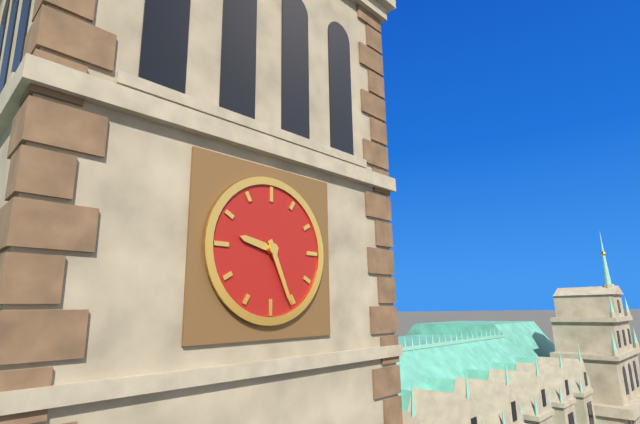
**9:26**
